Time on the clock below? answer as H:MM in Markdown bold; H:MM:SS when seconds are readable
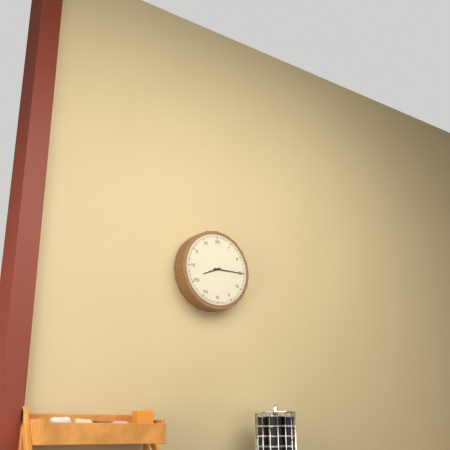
**8:15**
